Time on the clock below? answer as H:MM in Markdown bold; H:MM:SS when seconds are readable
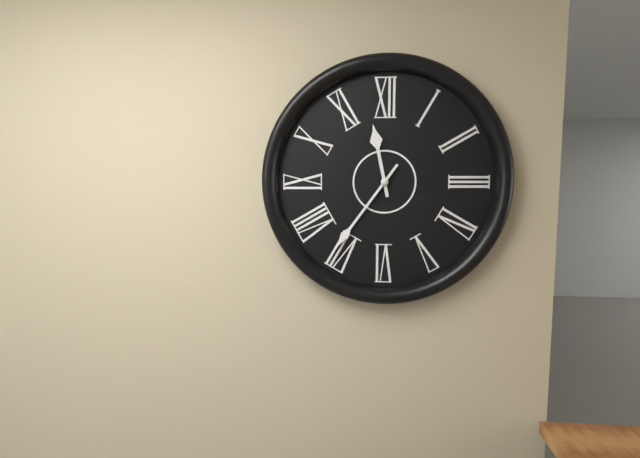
**11:36**
